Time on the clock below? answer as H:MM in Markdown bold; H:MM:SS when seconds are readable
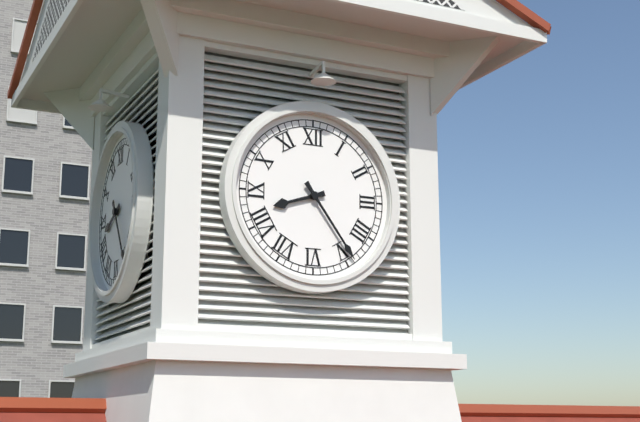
**8:24**
